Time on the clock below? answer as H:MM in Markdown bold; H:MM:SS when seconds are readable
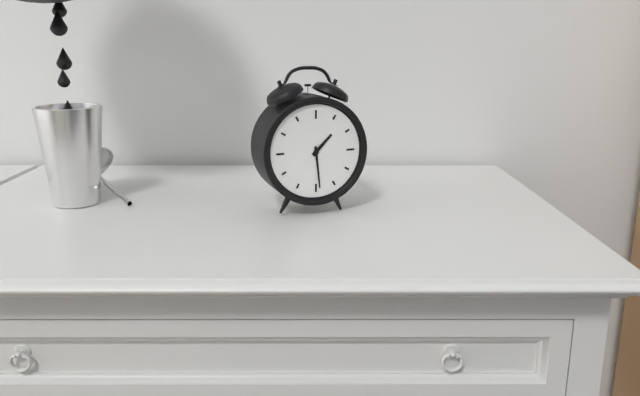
**1:29**
